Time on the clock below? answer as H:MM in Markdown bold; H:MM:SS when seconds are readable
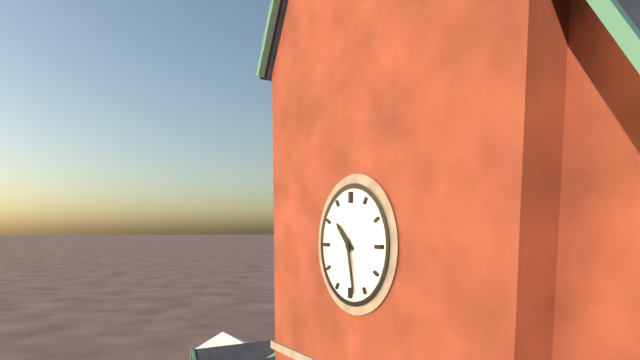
**10:28**
